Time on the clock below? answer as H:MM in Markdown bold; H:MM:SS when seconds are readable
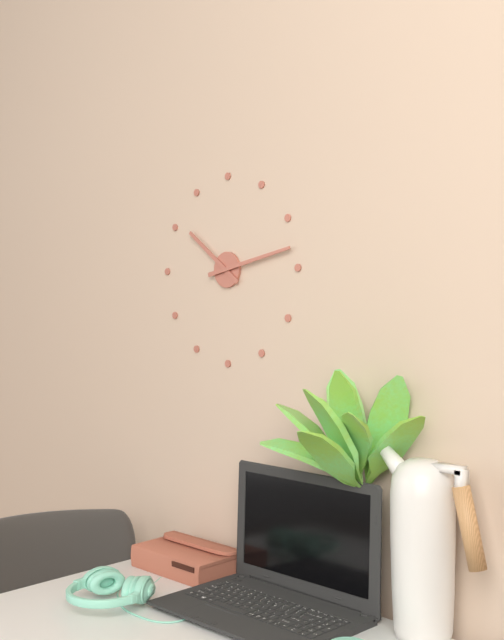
**10:13**
